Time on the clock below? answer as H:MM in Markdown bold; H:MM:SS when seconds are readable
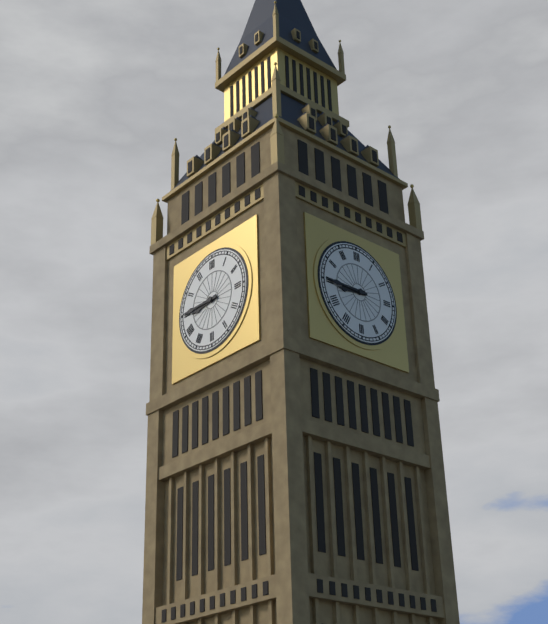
**8:45**
